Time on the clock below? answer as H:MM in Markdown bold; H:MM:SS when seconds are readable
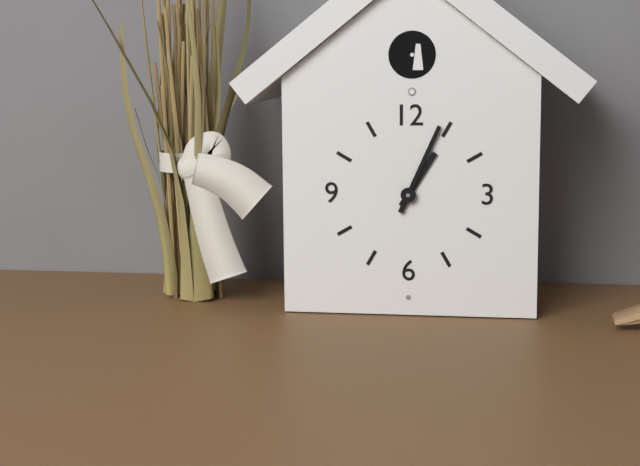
**1:04**
